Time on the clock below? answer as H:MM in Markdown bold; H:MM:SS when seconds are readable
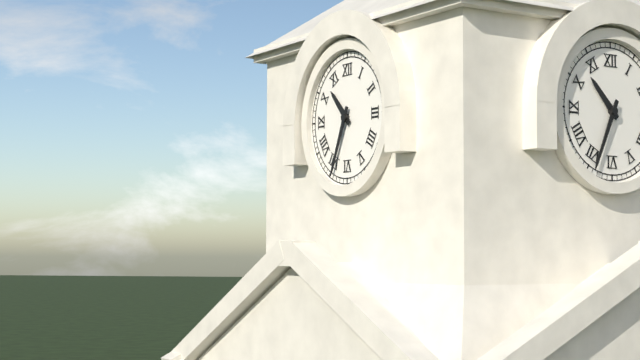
**10:34**
